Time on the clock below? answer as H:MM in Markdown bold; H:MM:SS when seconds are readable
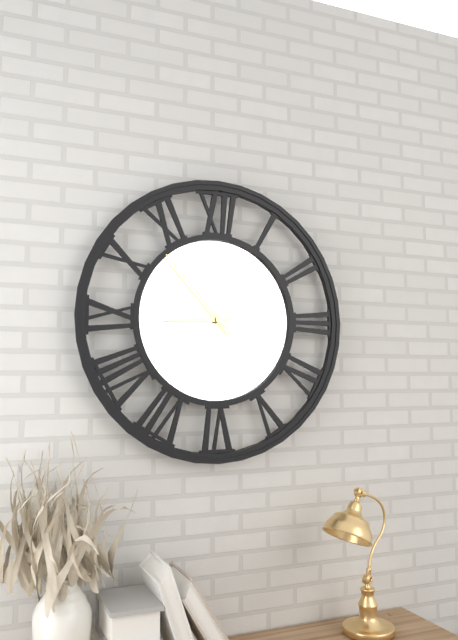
**8:53**
